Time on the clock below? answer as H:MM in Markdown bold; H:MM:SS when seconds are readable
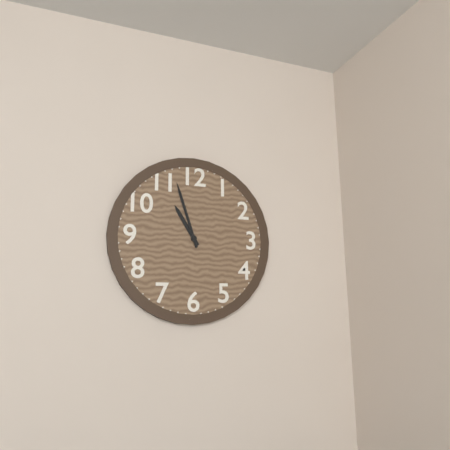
**10:57**
